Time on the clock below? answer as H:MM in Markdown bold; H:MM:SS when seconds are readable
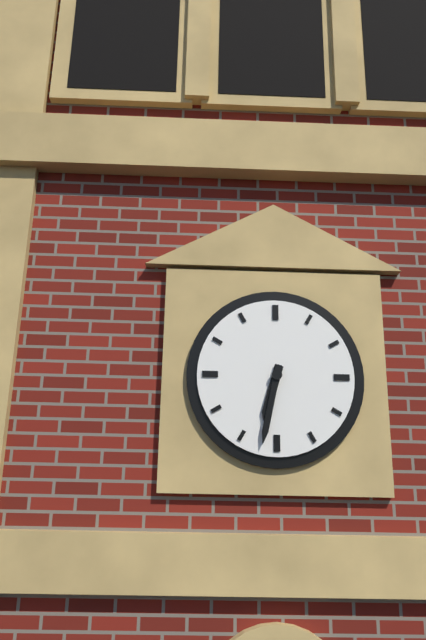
**6:32**
